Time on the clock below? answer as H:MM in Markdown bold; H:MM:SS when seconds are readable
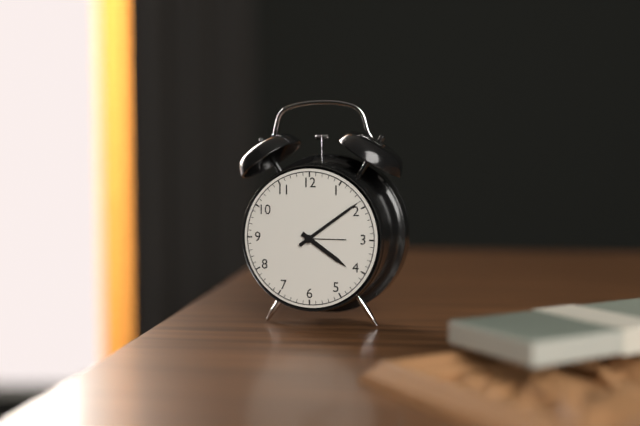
**4:09**
